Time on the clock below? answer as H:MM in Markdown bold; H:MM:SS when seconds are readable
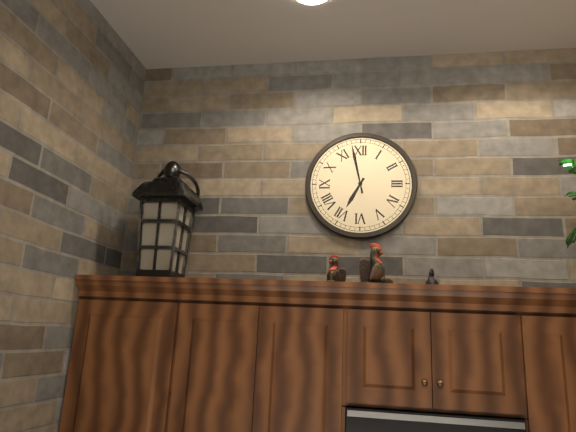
**6:58**
